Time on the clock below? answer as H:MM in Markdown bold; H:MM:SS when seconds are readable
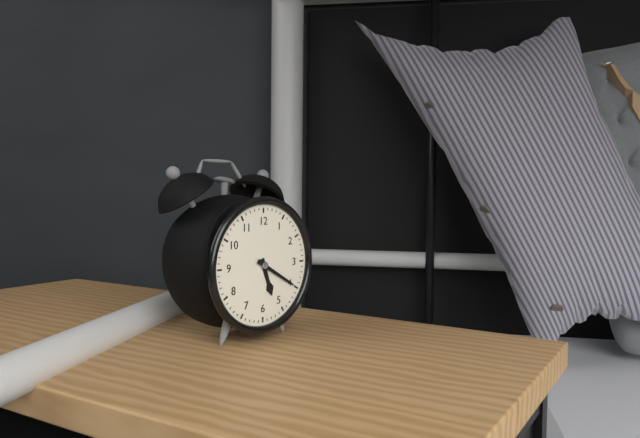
**5:20**
